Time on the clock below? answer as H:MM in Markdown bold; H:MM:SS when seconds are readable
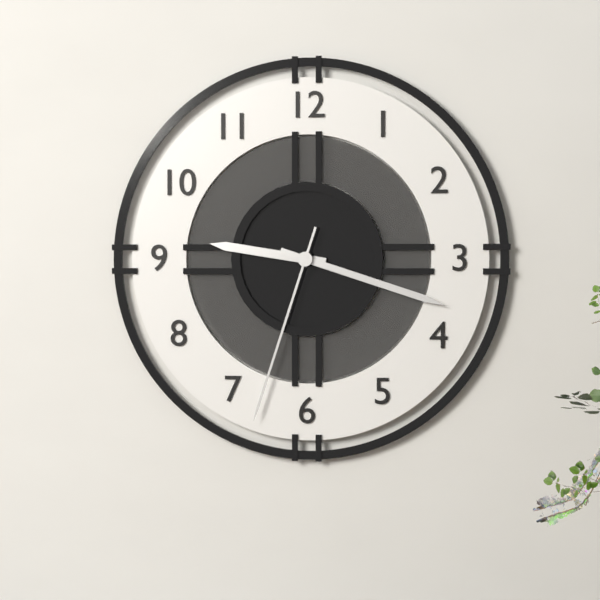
**9:18:33**
